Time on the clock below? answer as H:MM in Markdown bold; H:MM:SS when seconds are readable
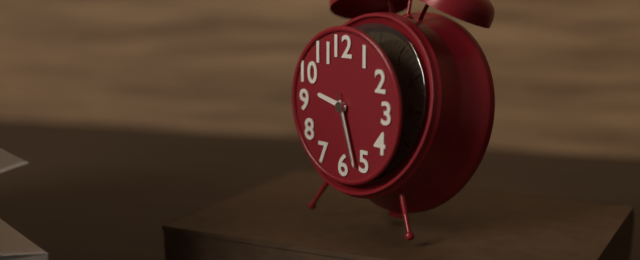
**9:27:27**
